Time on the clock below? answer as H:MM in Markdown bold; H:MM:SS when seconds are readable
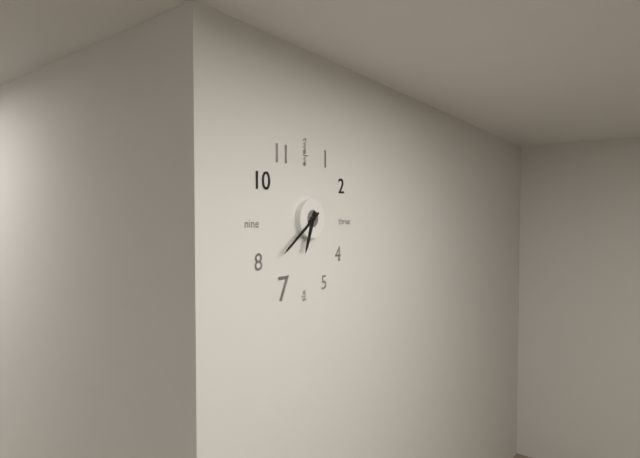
**6:39**
